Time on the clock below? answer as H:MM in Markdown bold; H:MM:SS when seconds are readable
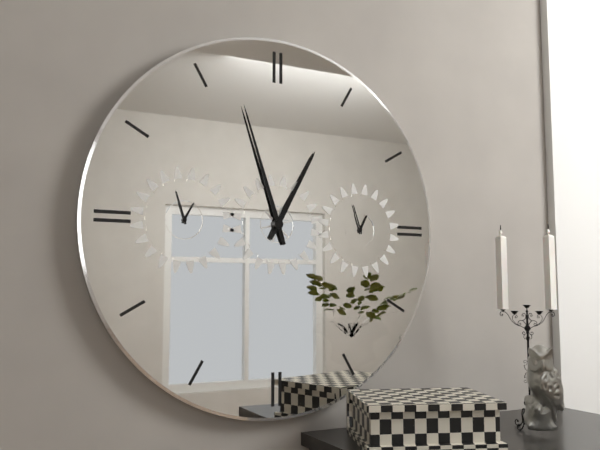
**12:57**
